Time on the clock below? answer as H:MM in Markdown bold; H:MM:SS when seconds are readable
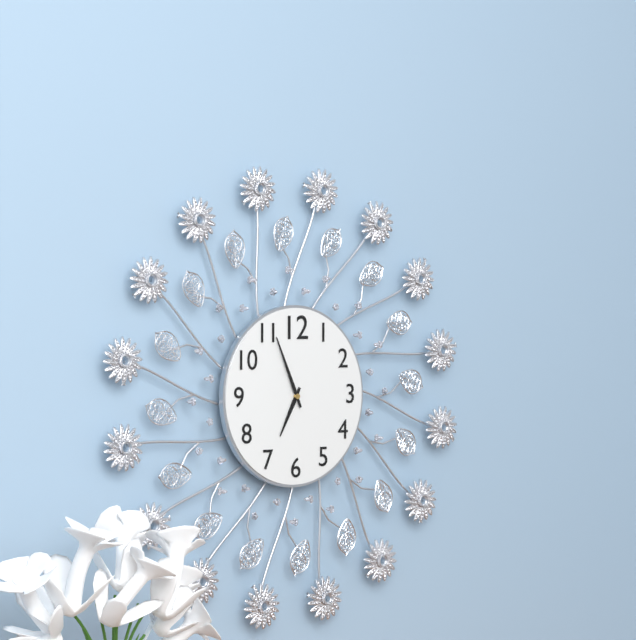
**6:56**
